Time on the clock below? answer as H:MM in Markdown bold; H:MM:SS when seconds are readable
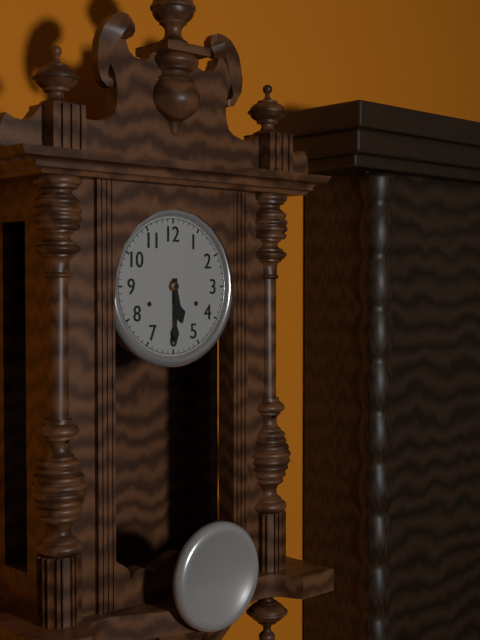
**5:30**
